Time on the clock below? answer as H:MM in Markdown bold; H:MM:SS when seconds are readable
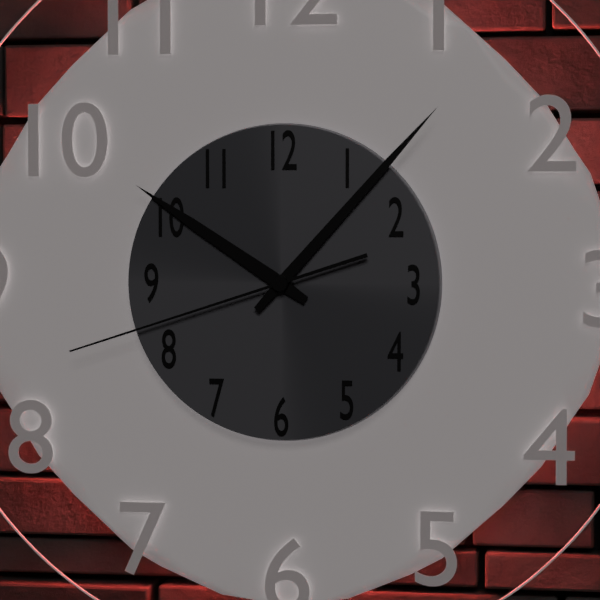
**10:07:42**
